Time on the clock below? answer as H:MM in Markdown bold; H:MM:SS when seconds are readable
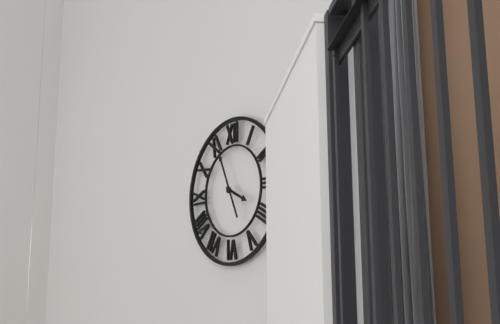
**3:56**
